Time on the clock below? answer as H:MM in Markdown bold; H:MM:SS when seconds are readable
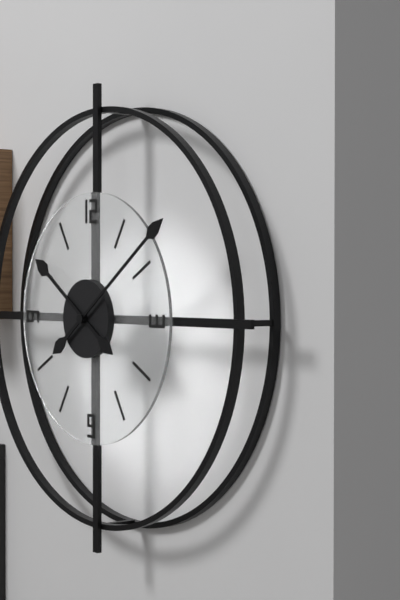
**10:09**
